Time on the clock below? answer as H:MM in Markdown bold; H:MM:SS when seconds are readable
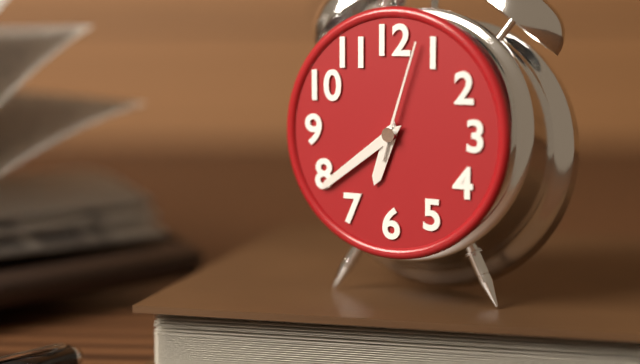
**6:39:03**
